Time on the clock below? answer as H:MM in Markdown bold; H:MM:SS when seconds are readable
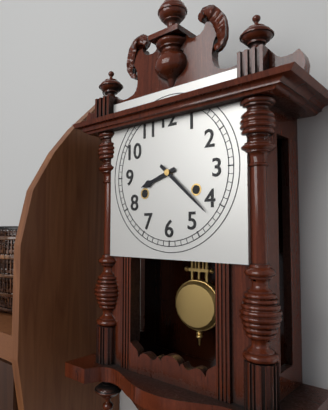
**8:22**
